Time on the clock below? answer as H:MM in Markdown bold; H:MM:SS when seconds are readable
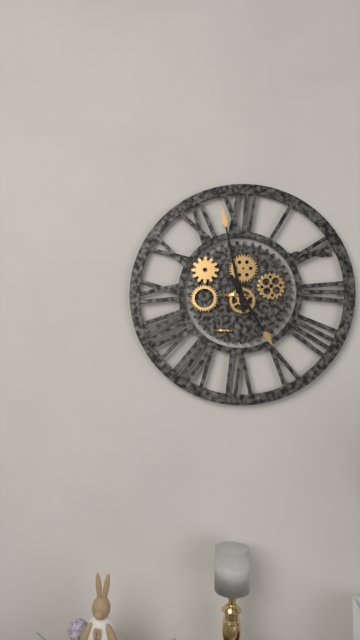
**4:58**
